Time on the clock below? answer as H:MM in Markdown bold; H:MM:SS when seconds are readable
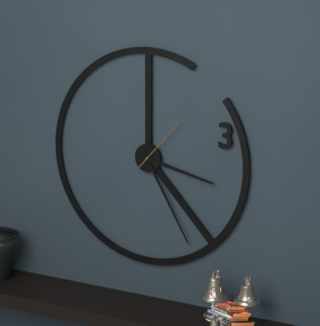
**3:25:07**
